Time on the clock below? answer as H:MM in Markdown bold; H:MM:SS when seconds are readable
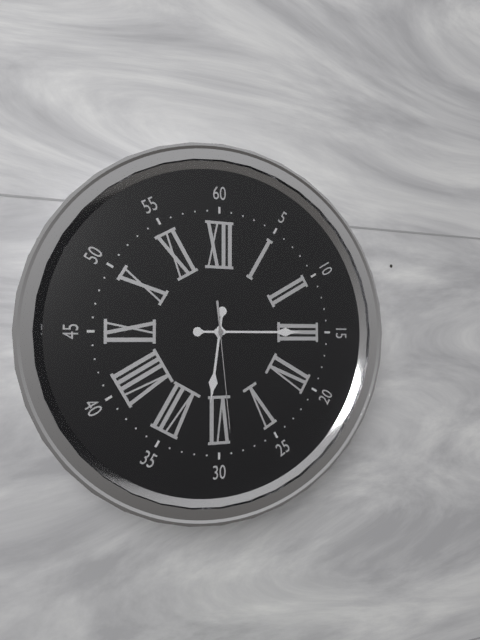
**6:15:29**
